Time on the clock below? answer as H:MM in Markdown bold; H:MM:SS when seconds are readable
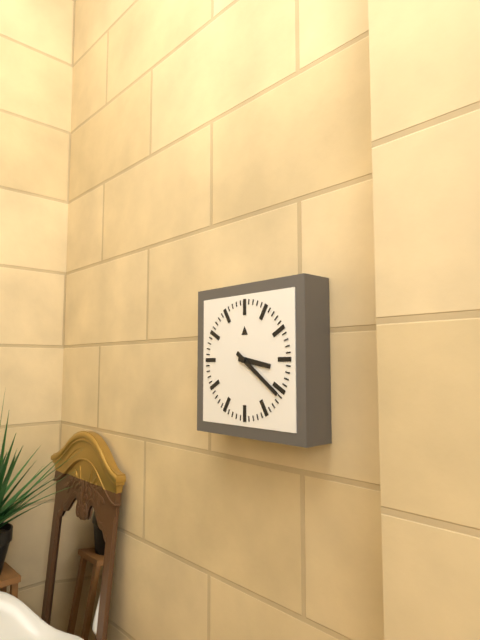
**3:21**
